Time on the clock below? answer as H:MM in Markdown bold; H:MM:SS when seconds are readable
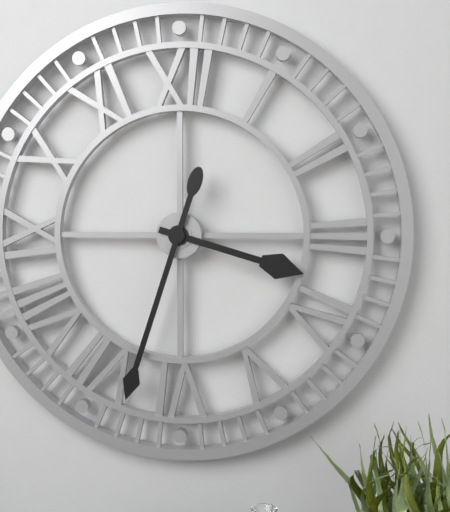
**3:33**
